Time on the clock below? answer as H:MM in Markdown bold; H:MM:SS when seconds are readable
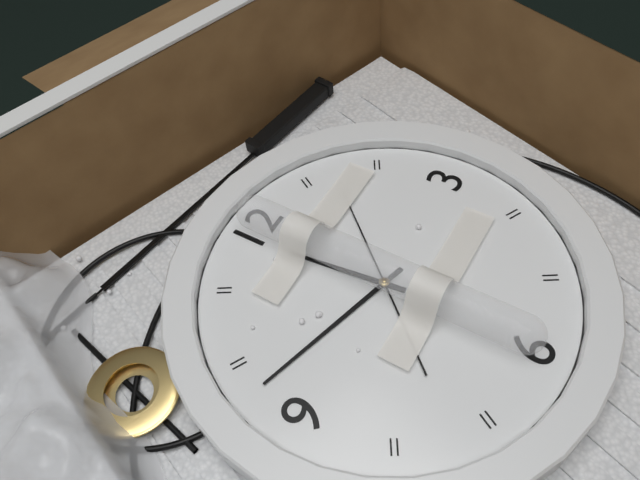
**11:48:07**
